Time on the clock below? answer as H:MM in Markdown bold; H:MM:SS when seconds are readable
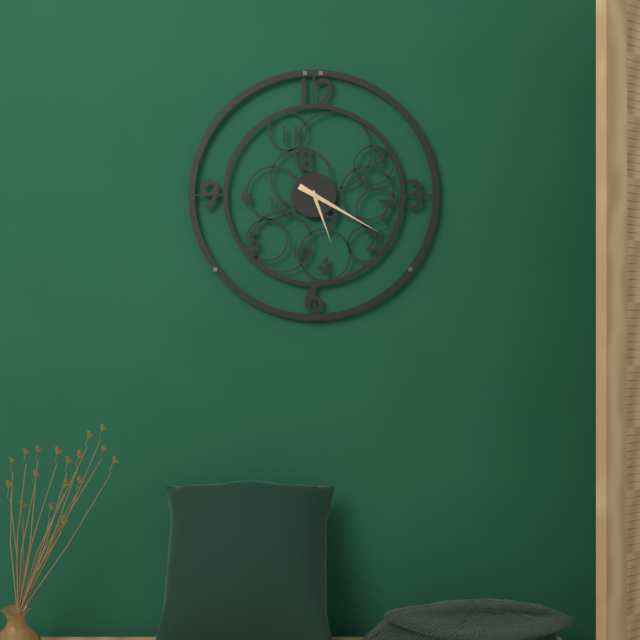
**5:20**
